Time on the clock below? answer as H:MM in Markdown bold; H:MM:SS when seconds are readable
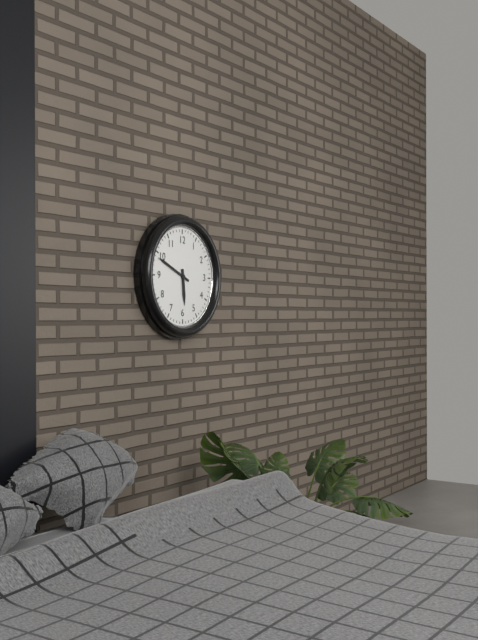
**5:49**
